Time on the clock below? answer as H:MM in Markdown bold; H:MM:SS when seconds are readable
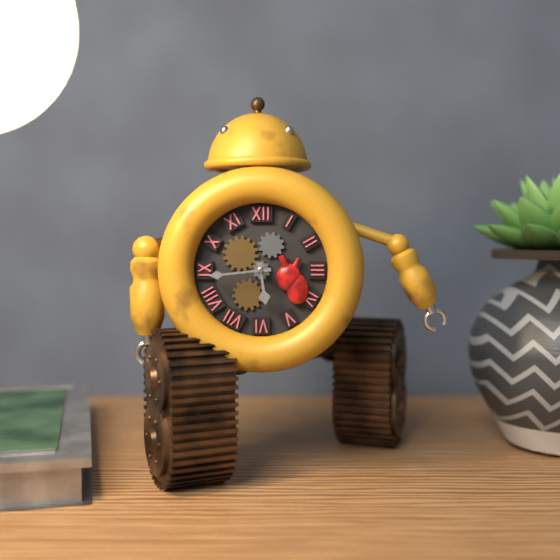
**5:44**
